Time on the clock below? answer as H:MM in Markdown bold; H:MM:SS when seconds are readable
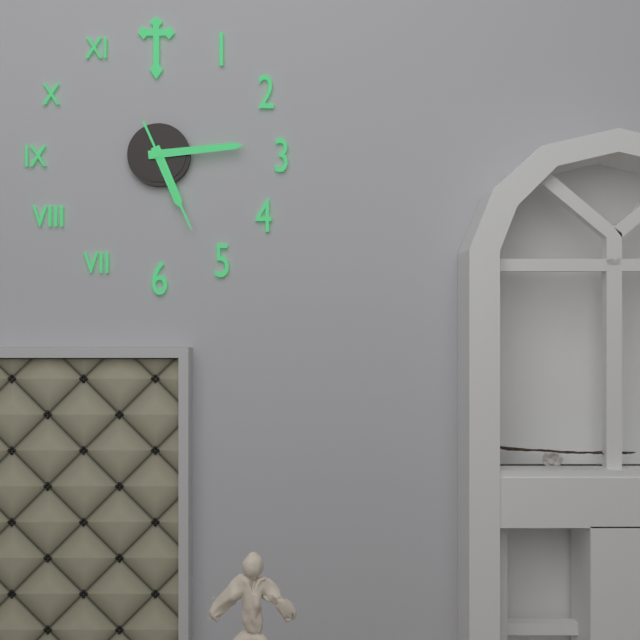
**5:14:26**
